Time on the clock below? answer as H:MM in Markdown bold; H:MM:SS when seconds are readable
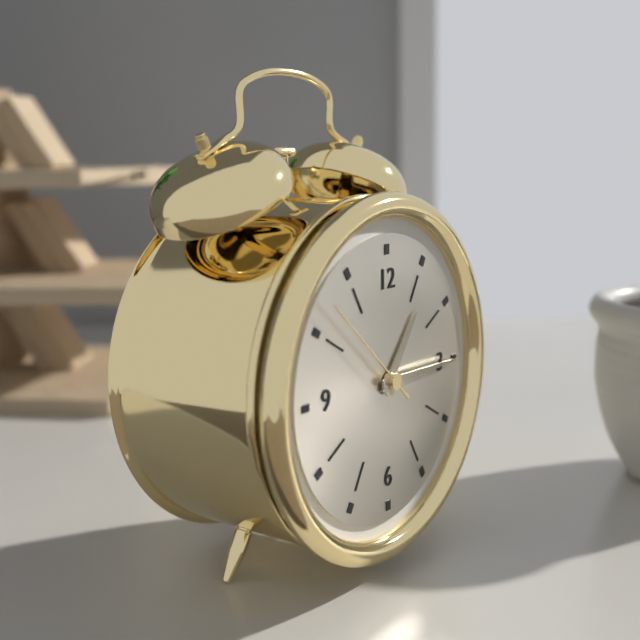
**1:15:52**
